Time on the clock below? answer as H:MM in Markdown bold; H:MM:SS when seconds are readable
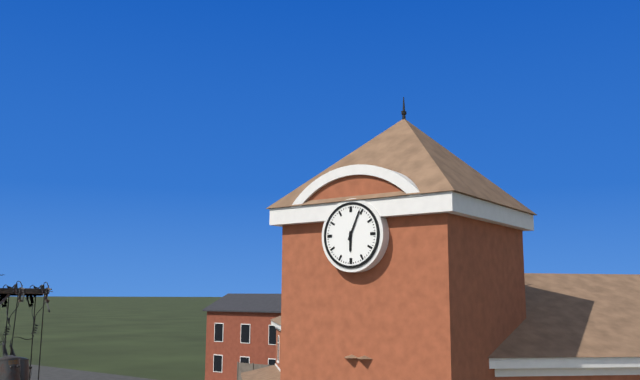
**6:04**
